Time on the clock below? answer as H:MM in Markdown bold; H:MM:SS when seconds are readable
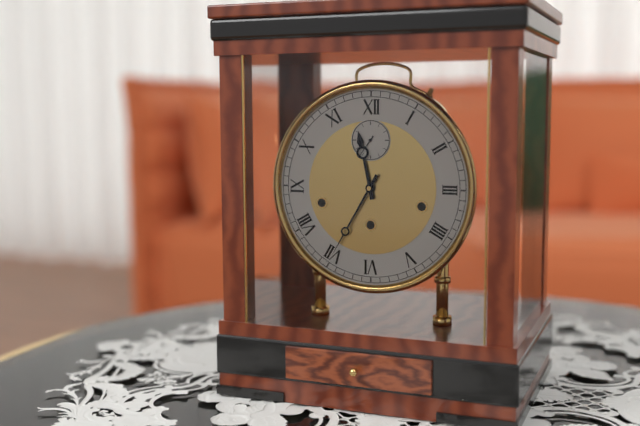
**11:35**
